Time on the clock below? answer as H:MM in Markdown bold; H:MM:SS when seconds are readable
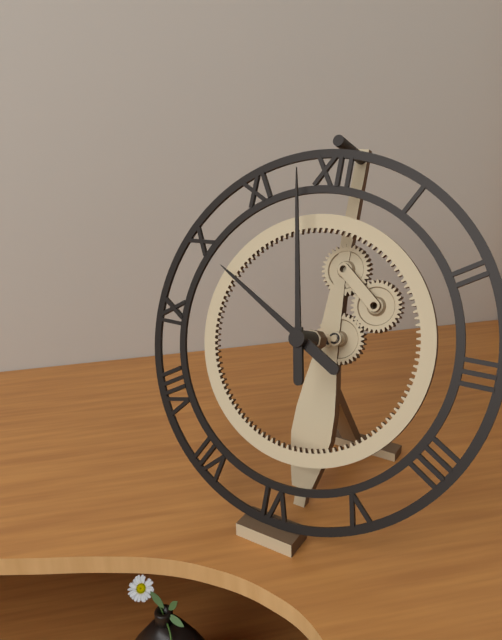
**9:58**
